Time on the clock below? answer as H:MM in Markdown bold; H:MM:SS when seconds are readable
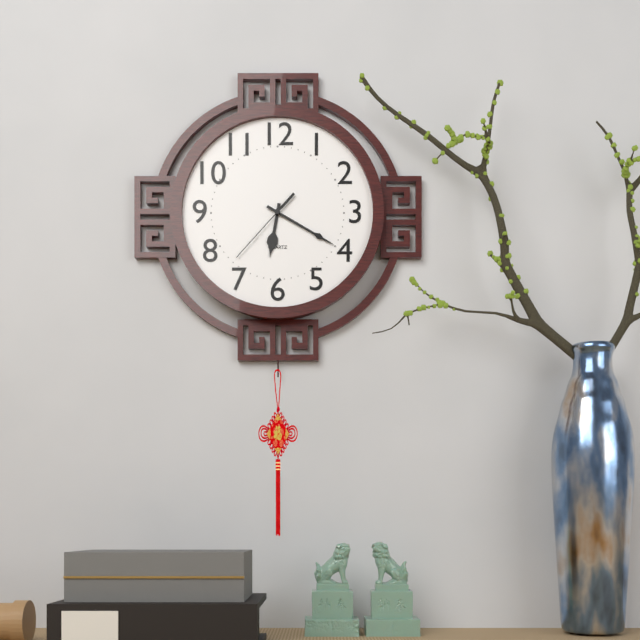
**6:20:37**
